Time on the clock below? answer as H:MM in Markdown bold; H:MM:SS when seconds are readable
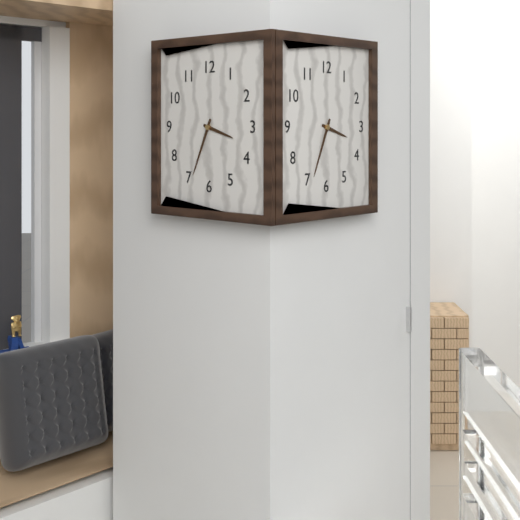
**3:34**
